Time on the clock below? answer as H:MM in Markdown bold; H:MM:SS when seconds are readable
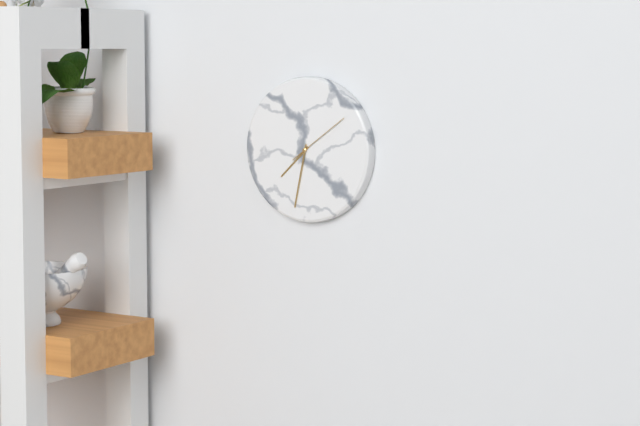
**7:32:09**
